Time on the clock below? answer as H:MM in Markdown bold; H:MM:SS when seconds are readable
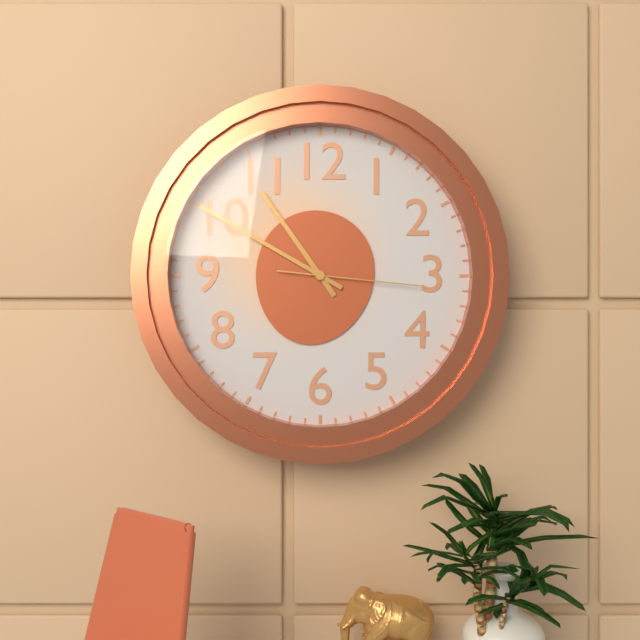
**10:50:16**
